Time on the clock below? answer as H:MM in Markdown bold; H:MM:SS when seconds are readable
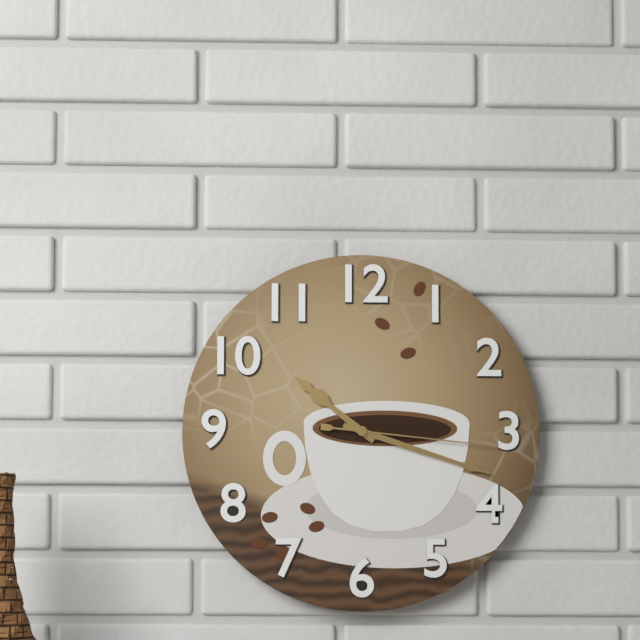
**10:18:16**
